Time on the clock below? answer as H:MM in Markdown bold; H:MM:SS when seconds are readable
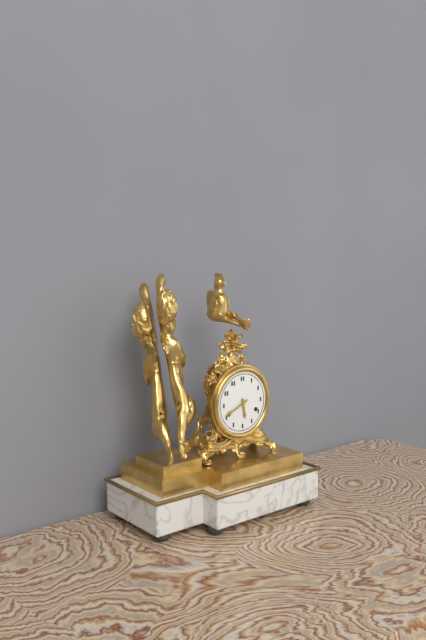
**5:41**
